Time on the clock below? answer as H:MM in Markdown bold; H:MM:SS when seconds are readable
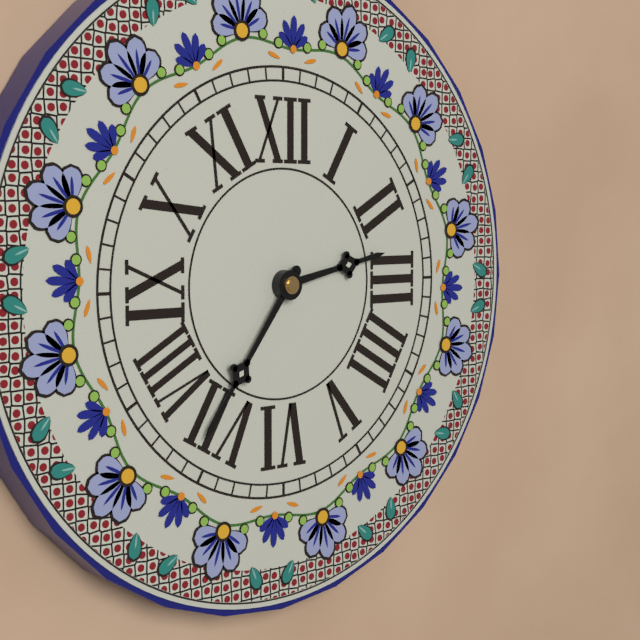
**2:36**
